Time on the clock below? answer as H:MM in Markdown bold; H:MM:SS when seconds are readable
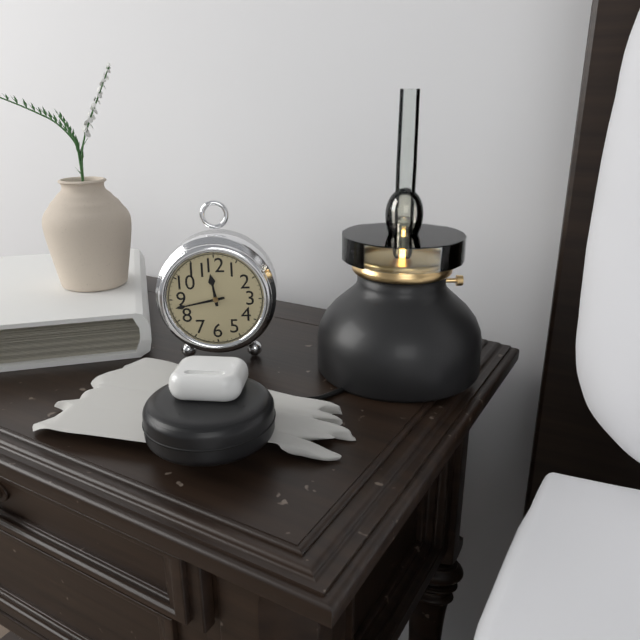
**11:43**
